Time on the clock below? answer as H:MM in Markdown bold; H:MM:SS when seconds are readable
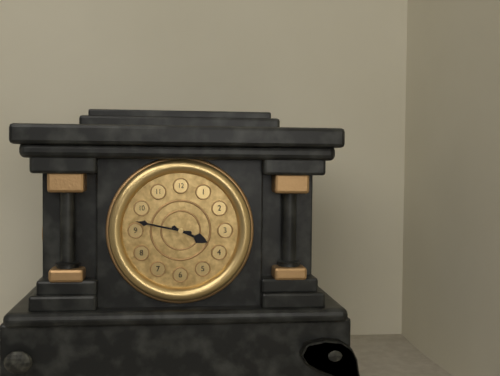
**3:47**
